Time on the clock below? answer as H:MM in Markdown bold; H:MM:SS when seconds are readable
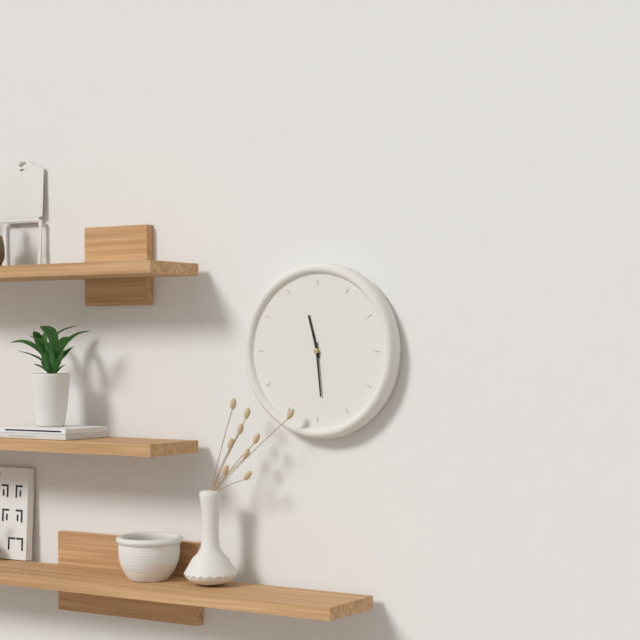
**11:29**
